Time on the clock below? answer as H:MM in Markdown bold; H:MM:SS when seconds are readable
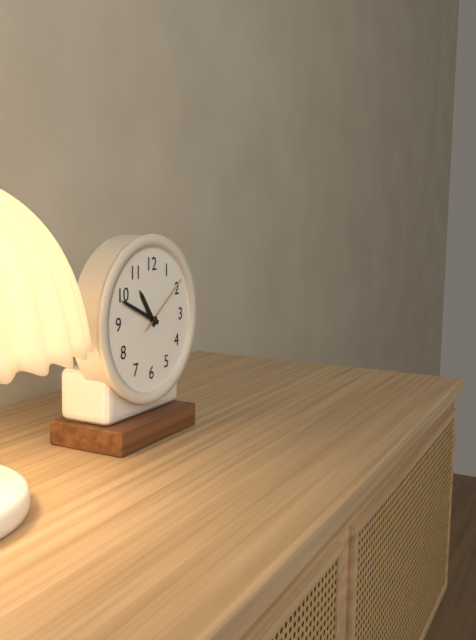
**10:49:09**
